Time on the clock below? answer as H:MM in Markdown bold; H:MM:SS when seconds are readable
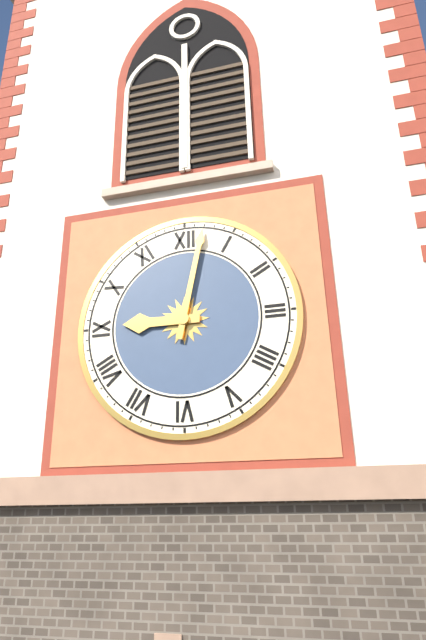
**9:02**
